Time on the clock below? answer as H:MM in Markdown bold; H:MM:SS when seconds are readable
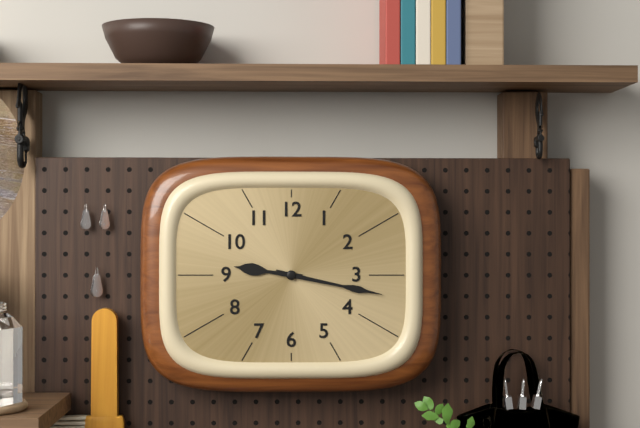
**9:17**
